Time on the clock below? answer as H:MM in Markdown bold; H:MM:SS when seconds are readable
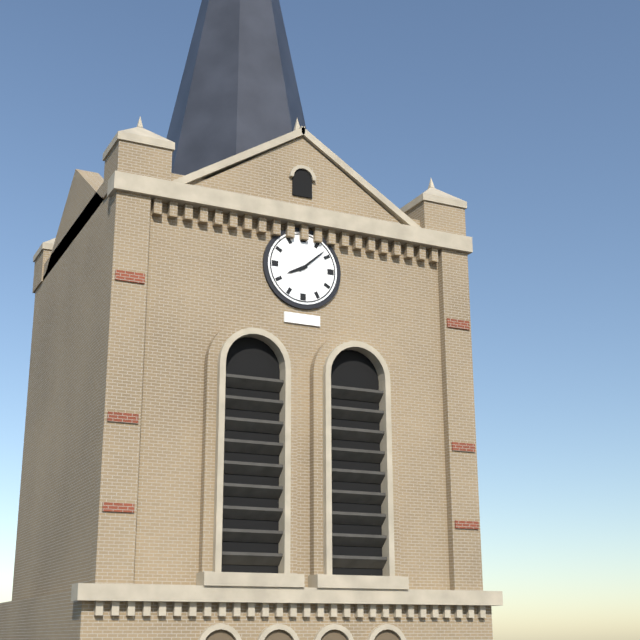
**8:08**
